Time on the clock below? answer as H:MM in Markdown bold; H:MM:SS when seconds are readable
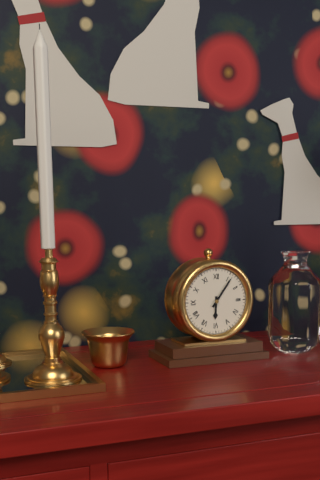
**6:06**
